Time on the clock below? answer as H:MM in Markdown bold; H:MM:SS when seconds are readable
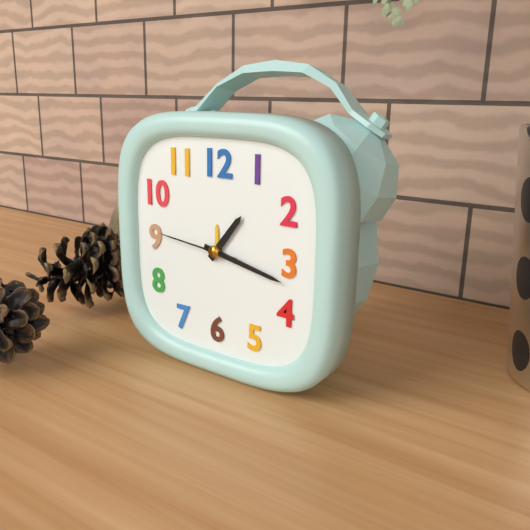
**1:17:46**
